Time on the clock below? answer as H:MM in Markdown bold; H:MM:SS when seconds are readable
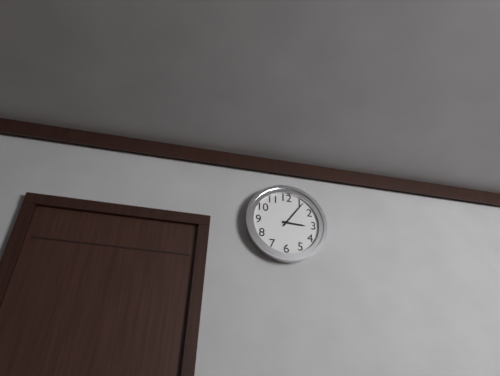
**3:06**
